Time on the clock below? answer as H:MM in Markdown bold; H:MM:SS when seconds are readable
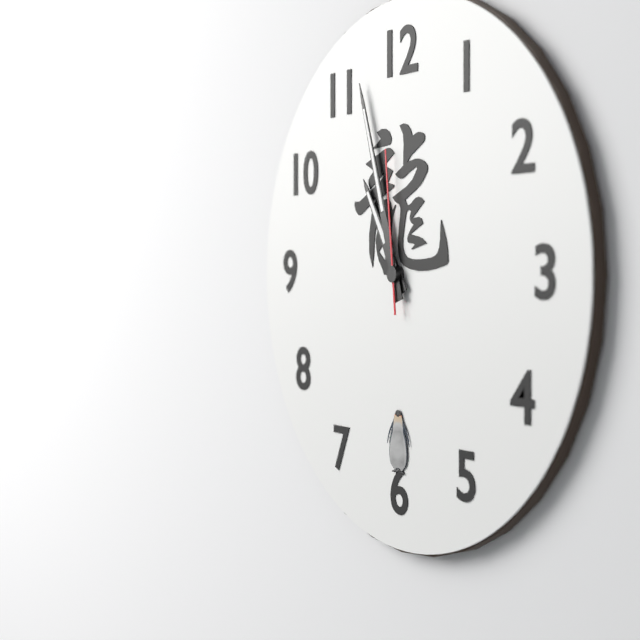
**10:57:59**
